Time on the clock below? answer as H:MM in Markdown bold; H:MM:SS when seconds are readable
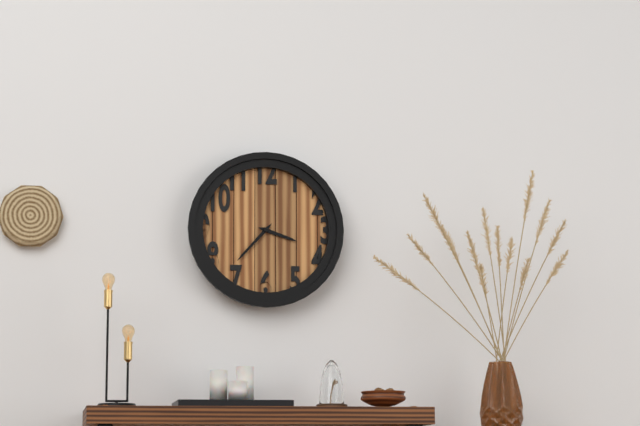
**3:37**
